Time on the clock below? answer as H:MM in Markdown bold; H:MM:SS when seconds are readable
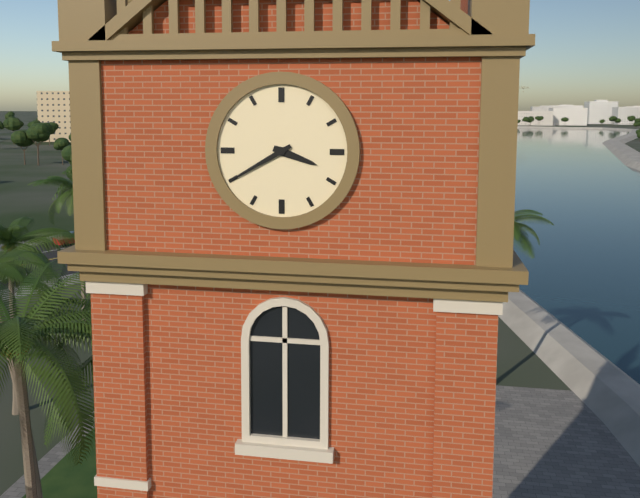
**3:40**
